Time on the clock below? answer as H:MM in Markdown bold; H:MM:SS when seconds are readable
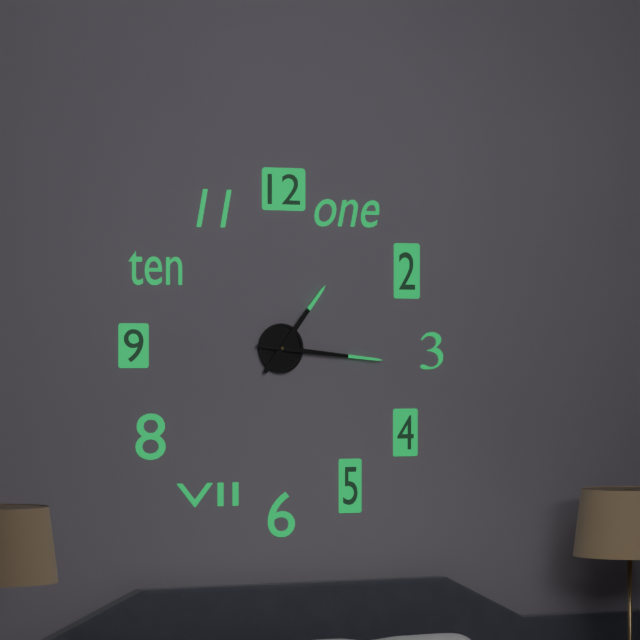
**1:16**
